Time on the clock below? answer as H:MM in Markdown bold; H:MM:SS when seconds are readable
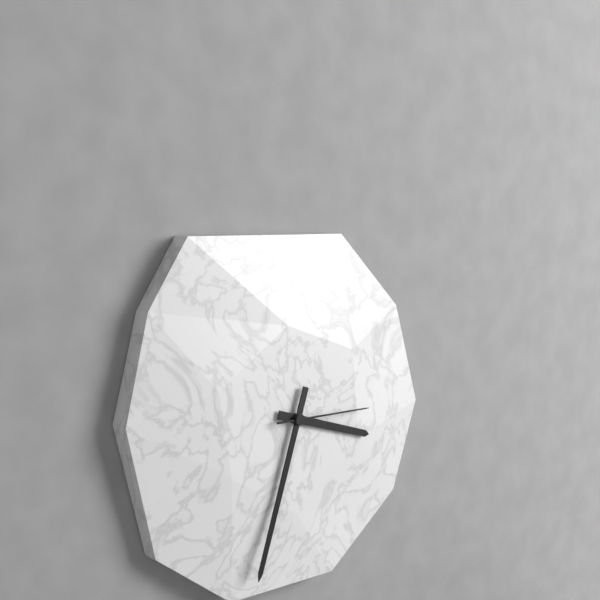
**3:33:15**
